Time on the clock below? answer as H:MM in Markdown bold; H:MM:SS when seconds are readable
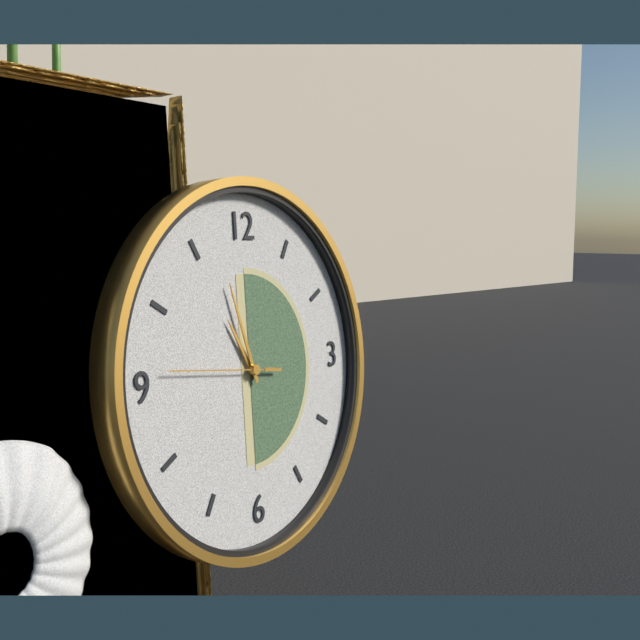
**10:57:46**
